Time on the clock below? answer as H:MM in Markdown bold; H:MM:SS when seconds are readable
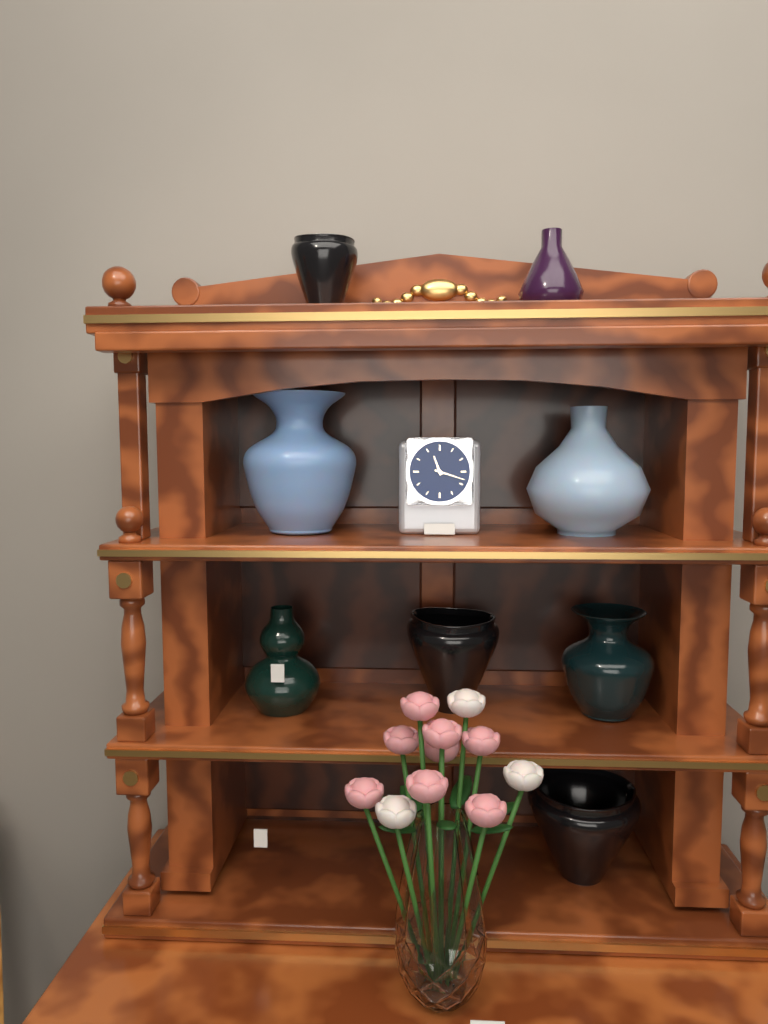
**11:18**
